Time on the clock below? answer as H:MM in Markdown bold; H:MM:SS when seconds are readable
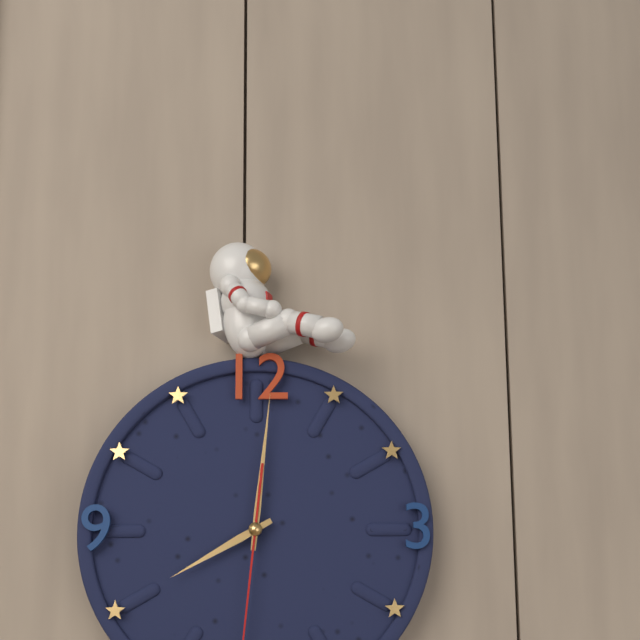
**8:01**
